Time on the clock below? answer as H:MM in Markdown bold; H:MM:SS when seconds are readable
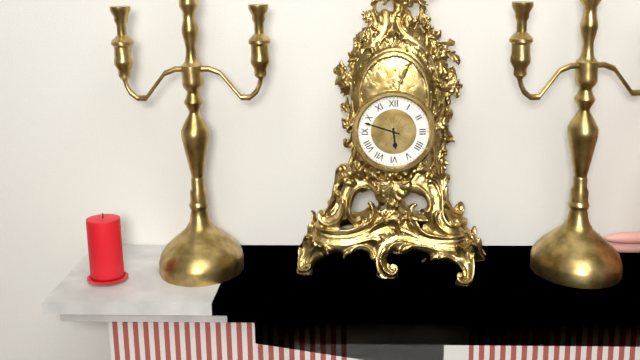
**5:48**
